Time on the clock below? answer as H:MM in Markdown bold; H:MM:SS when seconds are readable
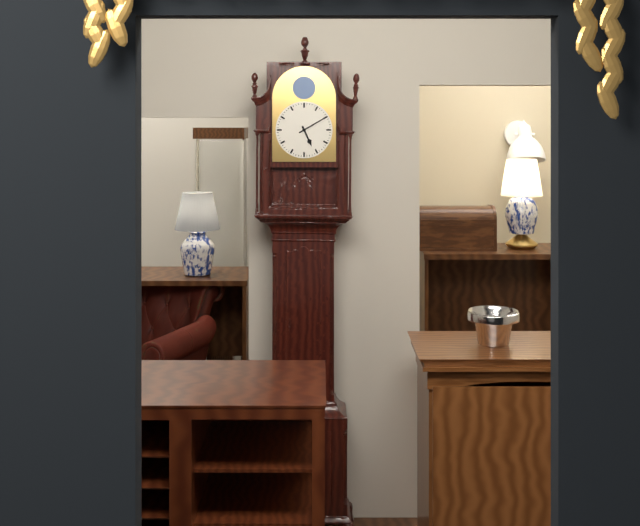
**5:10**
